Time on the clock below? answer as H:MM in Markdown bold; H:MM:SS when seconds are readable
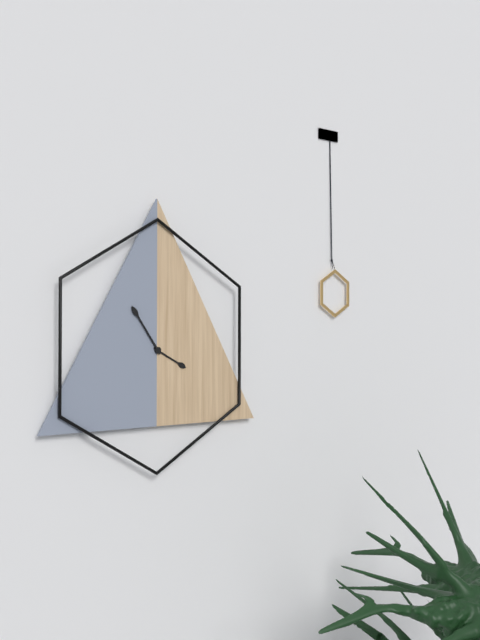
**3:54**
